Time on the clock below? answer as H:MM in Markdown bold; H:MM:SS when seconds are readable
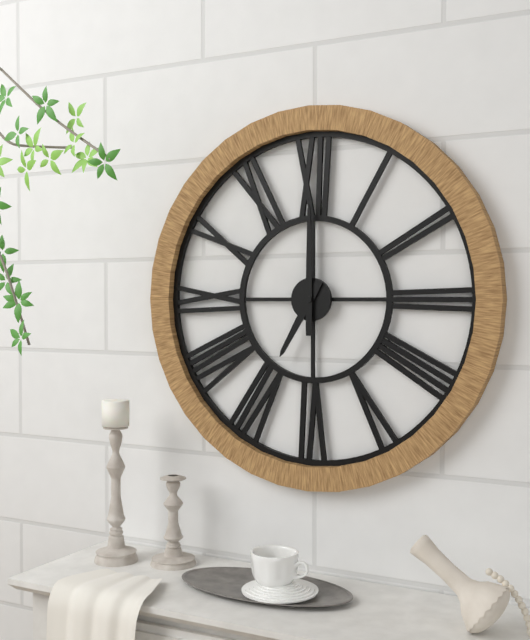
**7:00**
